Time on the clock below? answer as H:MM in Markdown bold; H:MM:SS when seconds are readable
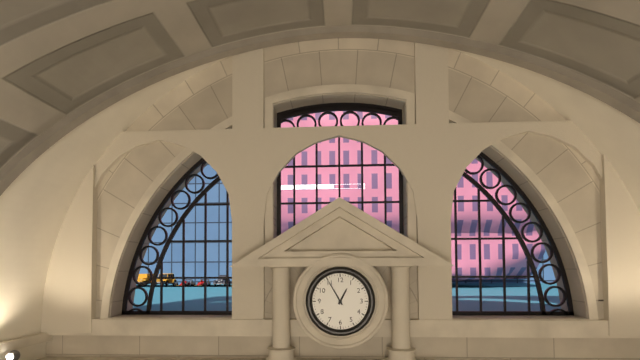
**12:55**
